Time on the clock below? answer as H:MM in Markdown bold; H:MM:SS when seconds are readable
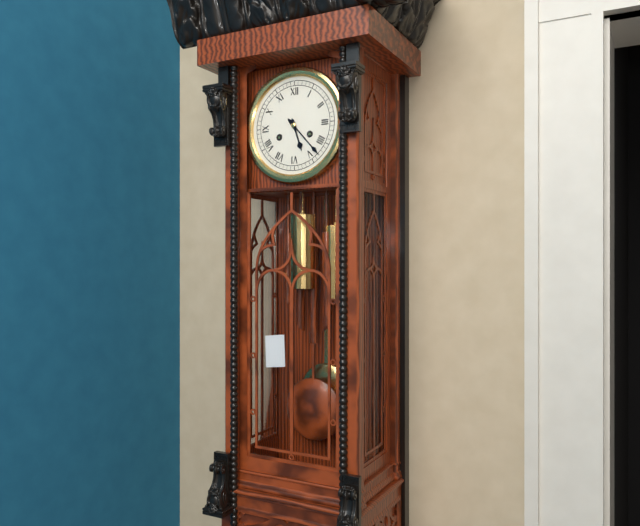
**5:23**
